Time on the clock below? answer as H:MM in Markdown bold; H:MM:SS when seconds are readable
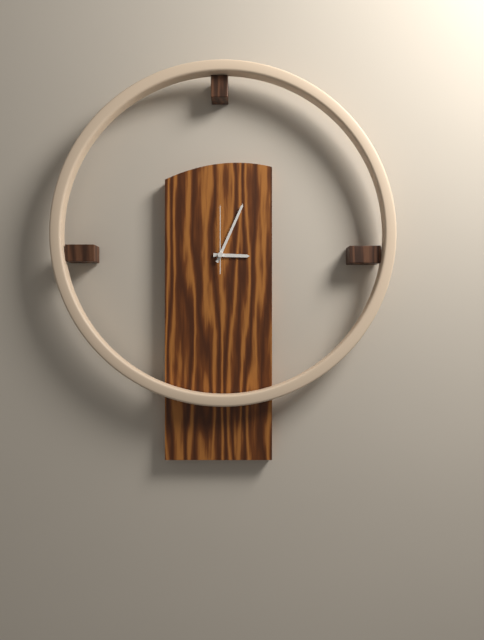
**3:04:00**
